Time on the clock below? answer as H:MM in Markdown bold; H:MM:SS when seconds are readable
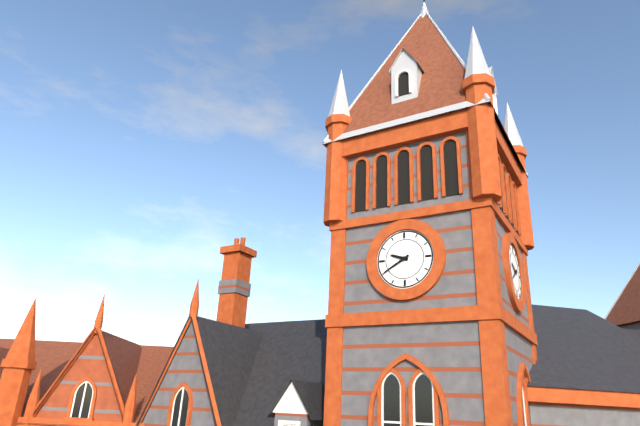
**9:40**
